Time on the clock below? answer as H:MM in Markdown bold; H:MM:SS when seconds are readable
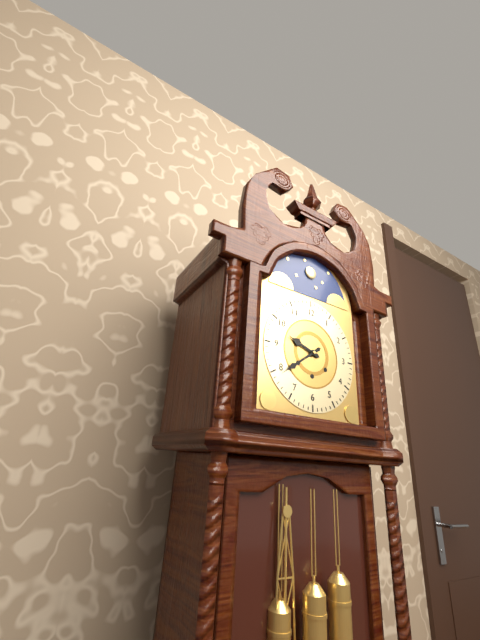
**9:39**
